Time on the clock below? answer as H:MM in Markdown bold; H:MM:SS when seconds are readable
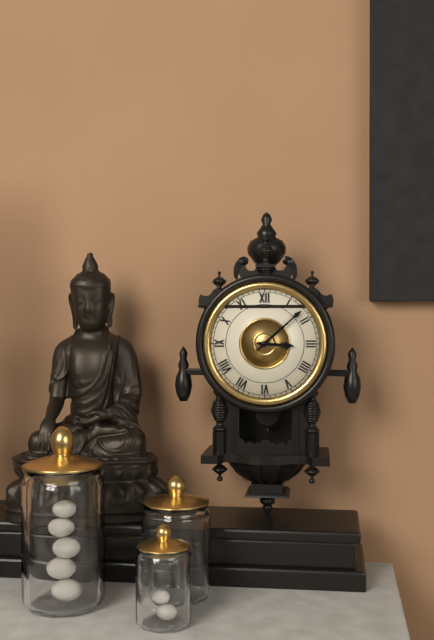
**3:08**
